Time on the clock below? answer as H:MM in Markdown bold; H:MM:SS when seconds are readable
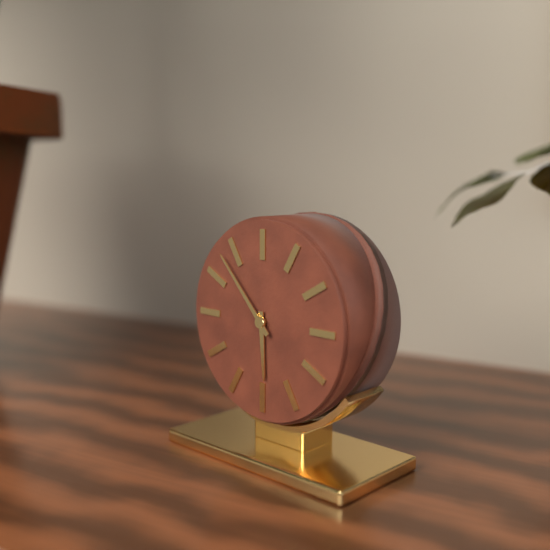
**5:53**
